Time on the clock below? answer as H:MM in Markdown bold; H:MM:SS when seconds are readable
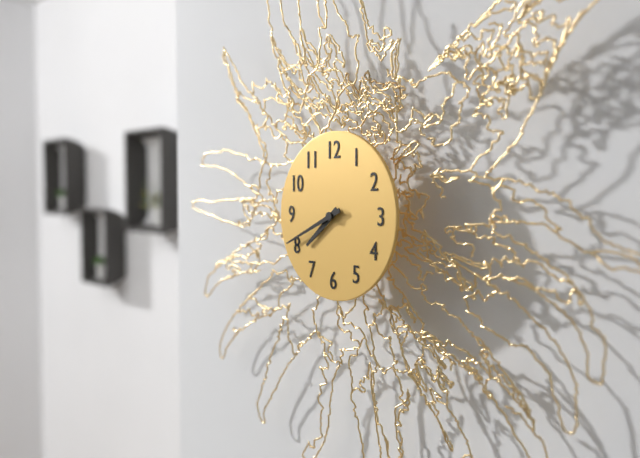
**7:41**
